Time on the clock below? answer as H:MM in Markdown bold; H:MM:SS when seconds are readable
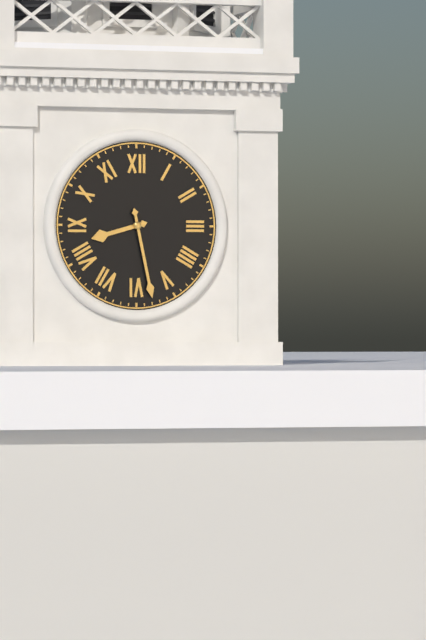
**8:28**
